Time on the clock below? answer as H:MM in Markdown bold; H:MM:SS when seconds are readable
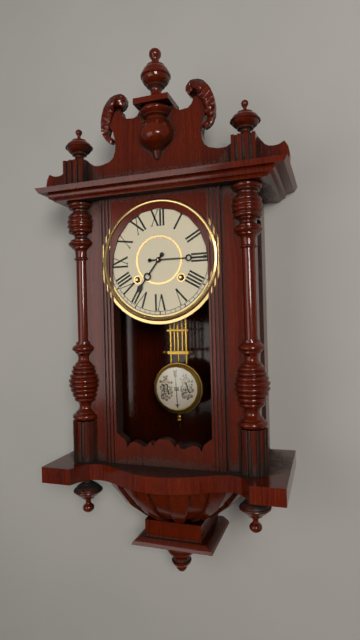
**7:15**
